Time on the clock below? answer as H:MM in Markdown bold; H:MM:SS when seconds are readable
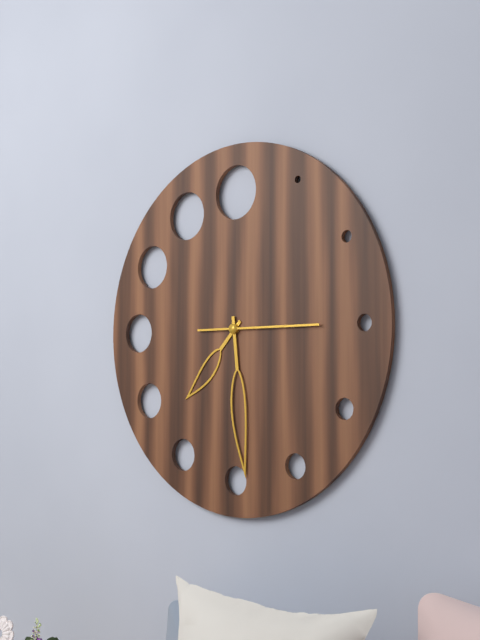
**7:29:15**
